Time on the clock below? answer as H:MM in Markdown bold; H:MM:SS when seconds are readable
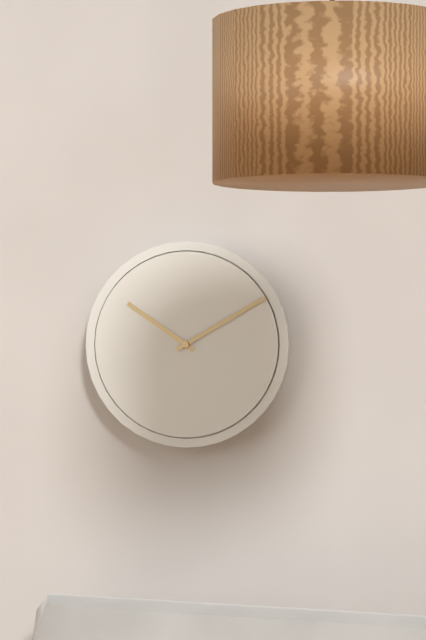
**10:10**
